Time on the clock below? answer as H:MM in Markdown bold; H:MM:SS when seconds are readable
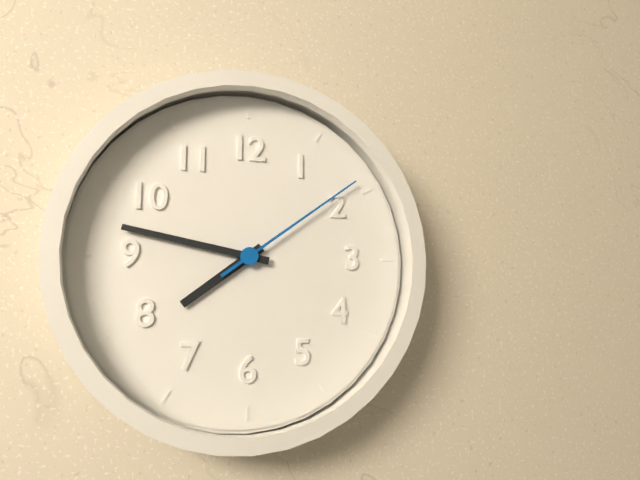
**7:47:09**
